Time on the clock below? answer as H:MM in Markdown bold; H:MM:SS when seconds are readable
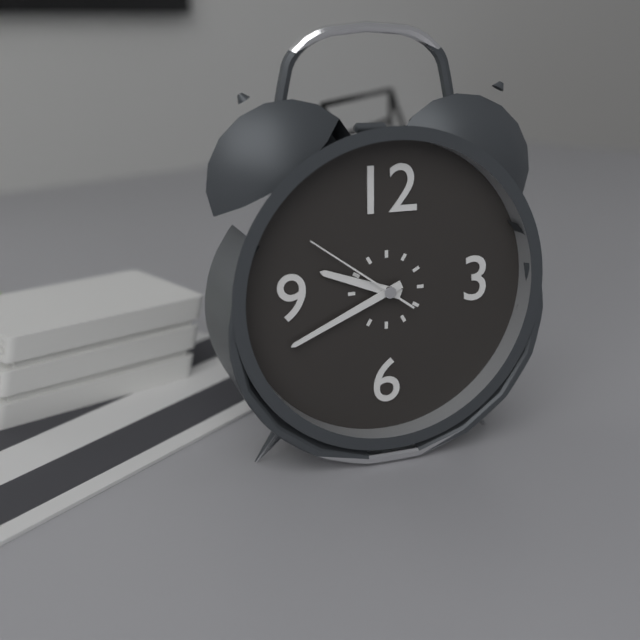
**9:41:51**
